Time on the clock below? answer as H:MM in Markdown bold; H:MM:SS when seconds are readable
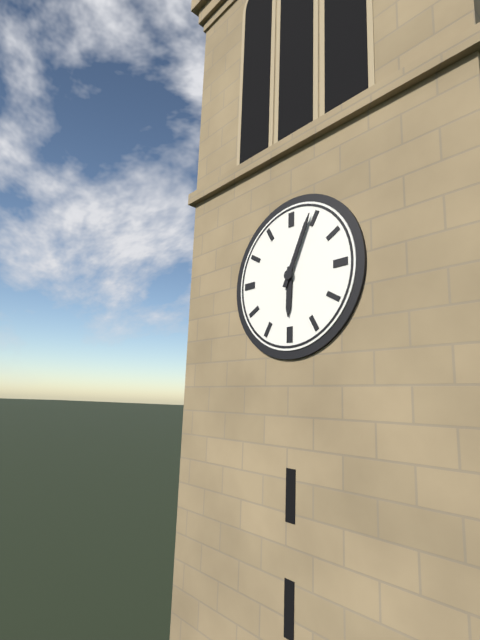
**6:04**
